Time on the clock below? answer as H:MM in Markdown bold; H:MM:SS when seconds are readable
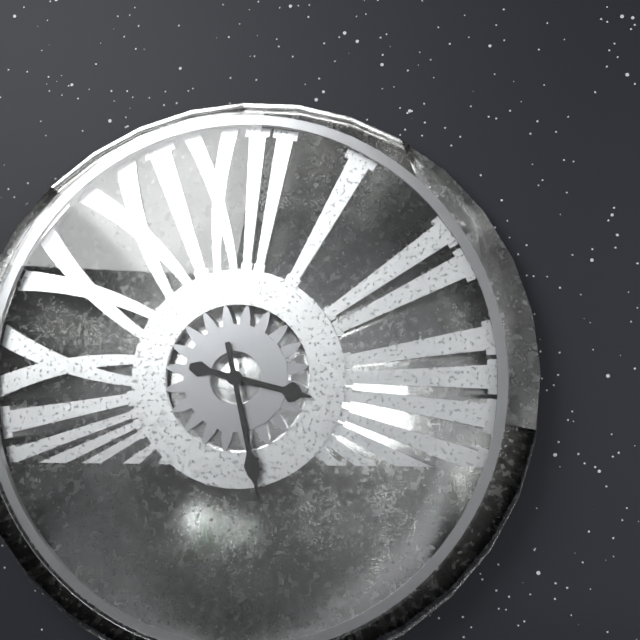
**3:28**
